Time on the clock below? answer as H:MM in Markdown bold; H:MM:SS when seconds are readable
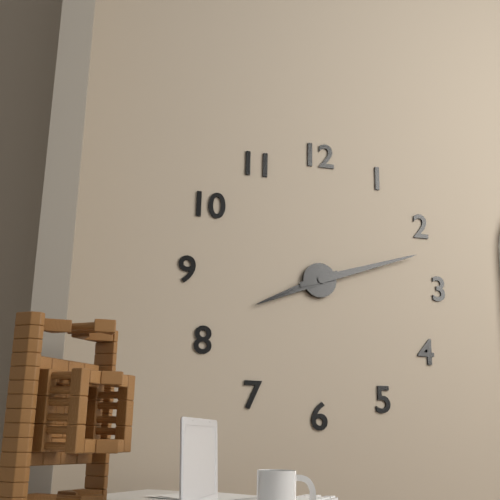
**8:12**
